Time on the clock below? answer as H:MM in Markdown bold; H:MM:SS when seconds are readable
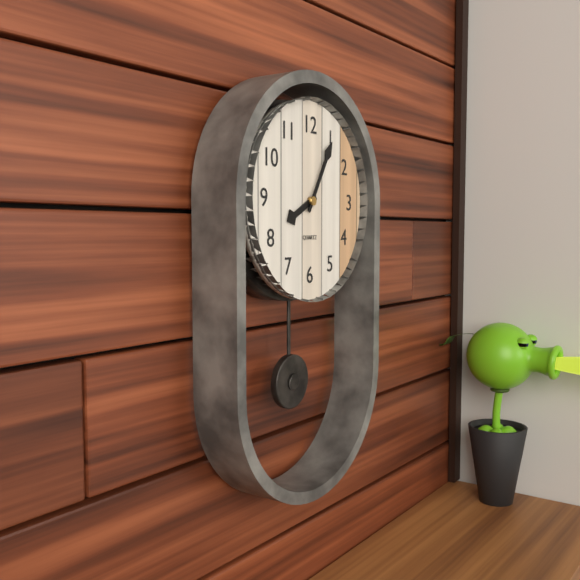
**8:05**
